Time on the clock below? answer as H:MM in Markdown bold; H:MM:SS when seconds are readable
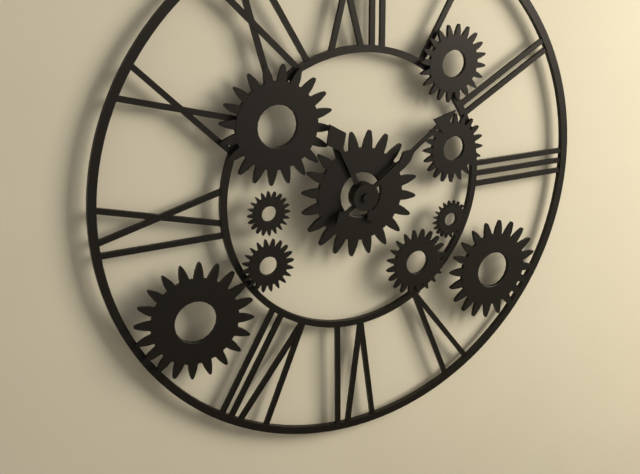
**11:09**
